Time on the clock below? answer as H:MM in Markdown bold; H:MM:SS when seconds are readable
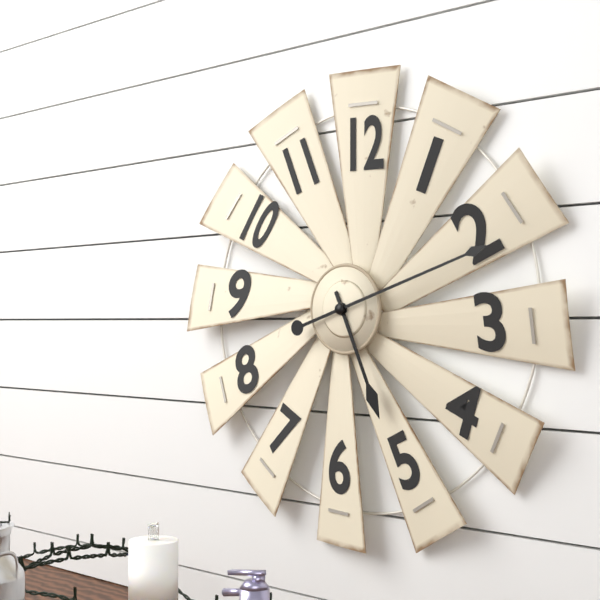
**5:12**
